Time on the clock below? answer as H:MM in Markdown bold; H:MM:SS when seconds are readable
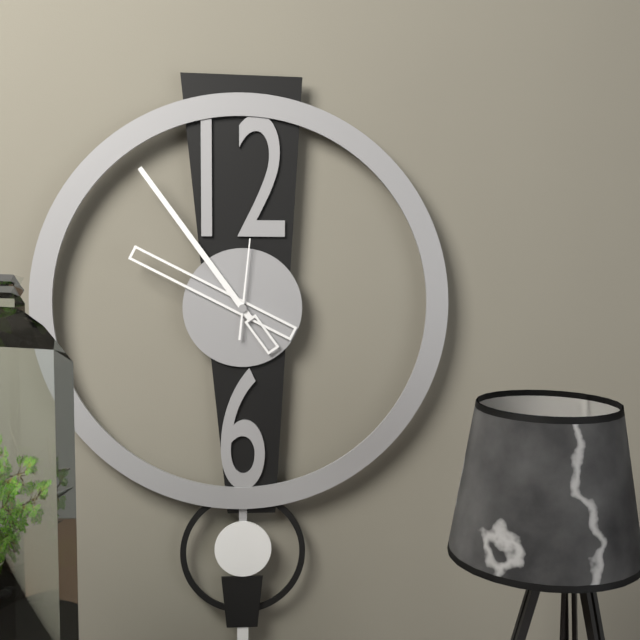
**9:54:01**
